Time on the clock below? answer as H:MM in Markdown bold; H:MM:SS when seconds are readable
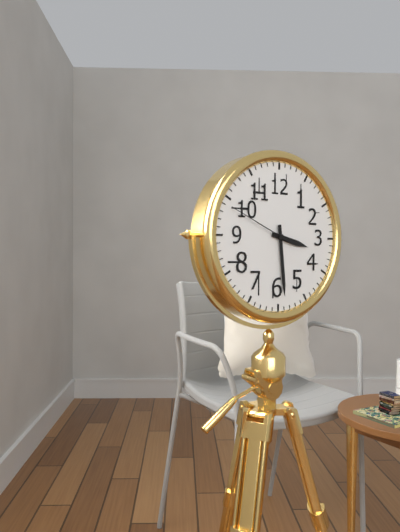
**3:29:49**
